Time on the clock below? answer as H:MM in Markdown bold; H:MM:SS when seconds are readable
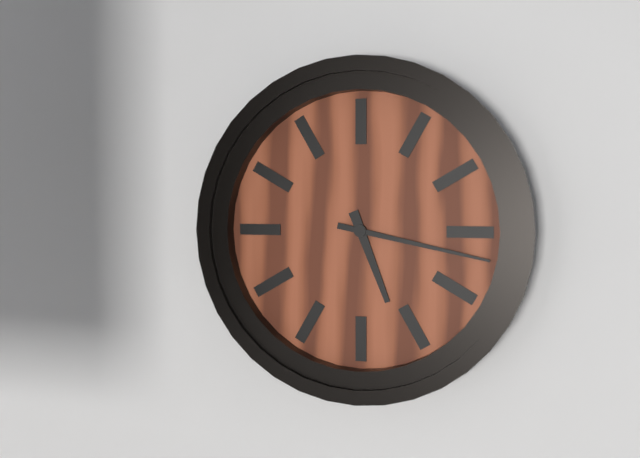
**5:17**
